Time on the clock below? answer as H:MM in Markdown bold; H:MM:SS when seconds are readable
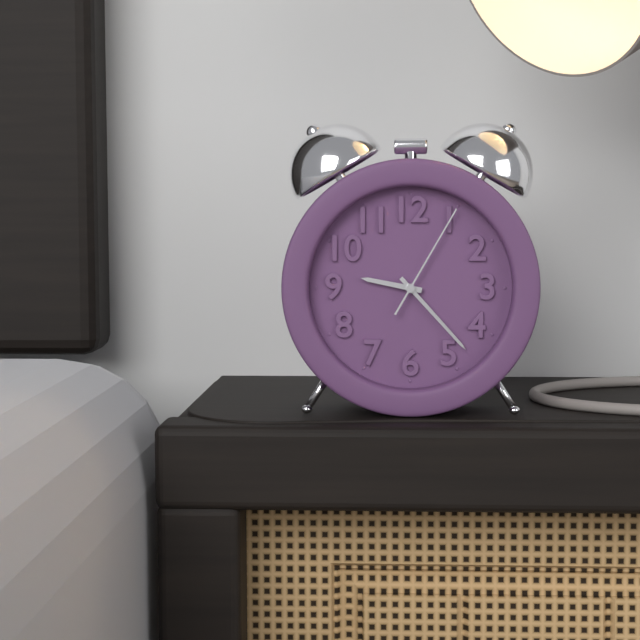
**9:23:05**
